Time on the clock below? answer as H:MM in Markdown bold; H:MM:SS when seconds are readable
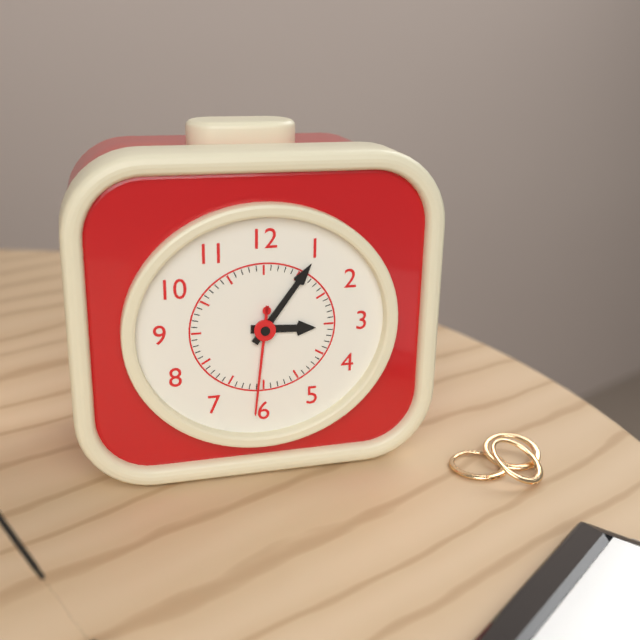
**3:06:31**
